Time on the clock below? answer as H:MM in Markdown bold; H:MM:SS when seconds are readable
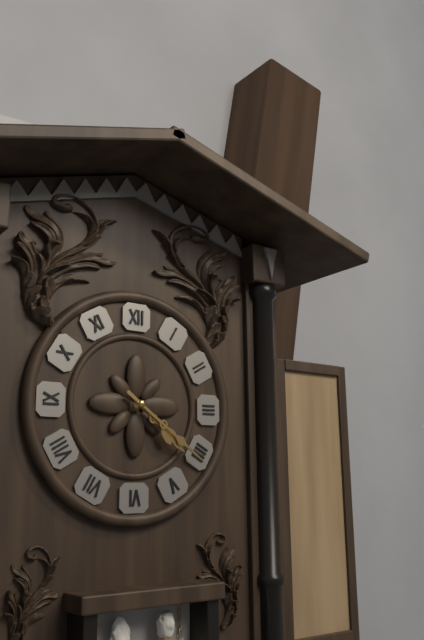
**4:21**
